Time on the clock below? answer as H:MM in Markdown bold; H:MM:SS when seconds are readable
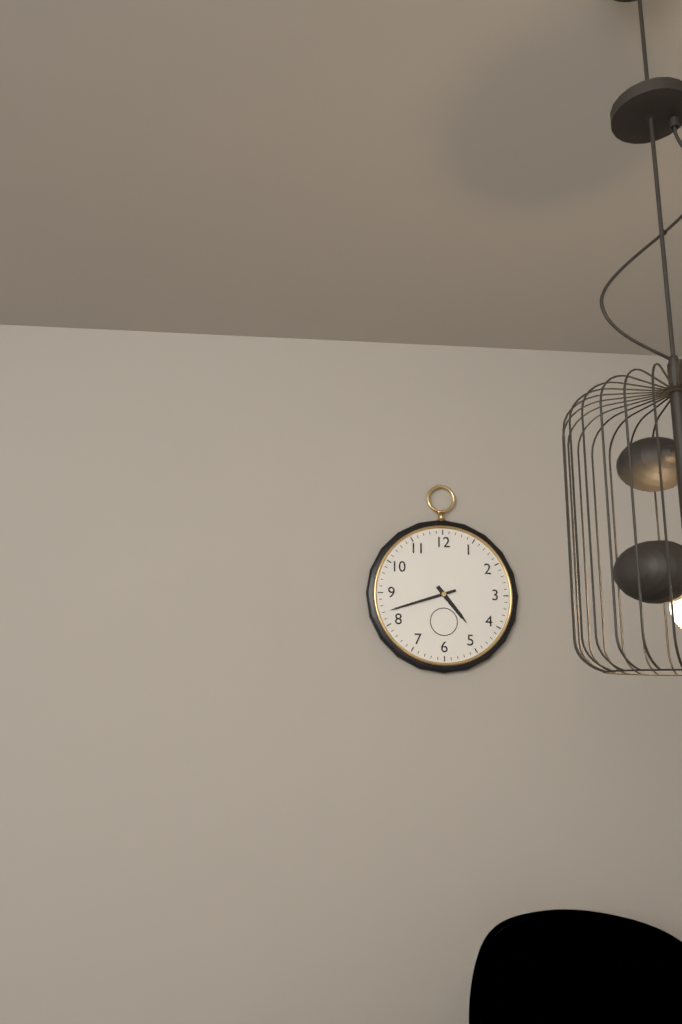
**4:42**
